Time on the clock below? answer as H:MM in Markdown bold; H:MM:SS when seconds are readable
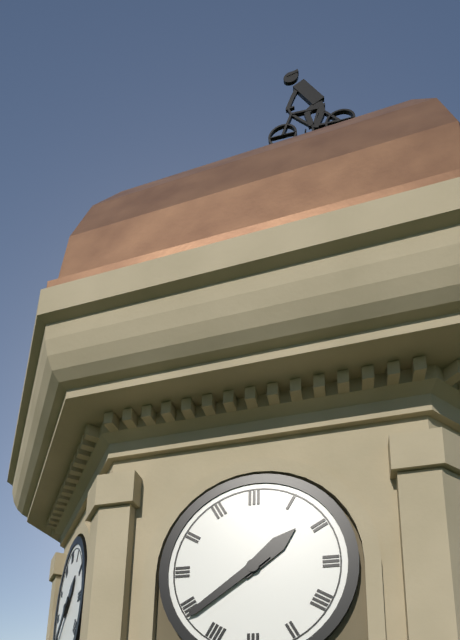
**1:39**
